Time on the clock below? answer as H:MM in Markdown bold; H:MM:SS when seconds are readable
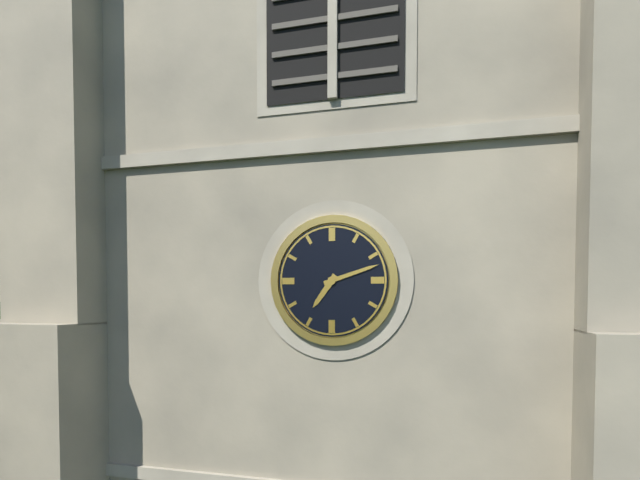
**7:12**
